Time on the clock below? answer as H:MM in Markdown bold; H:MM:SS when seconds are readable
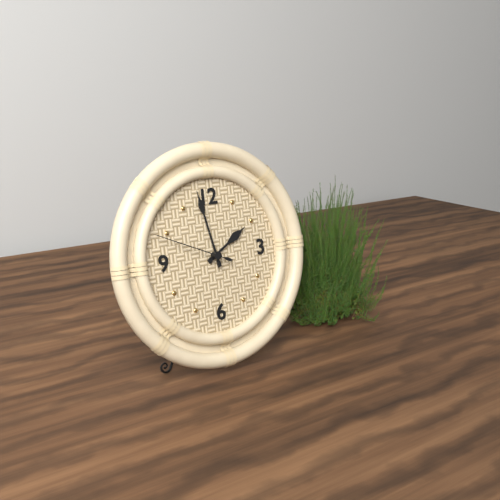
**1:58:49**
